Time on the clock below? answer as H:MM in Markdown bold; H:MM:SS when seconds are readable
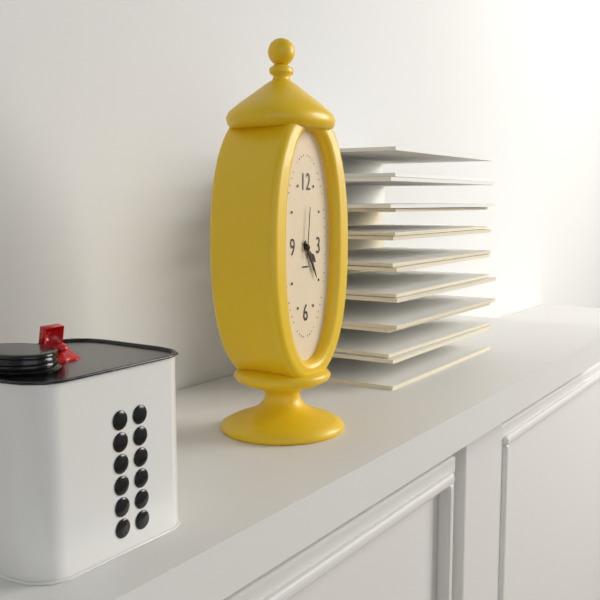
**4:25**
